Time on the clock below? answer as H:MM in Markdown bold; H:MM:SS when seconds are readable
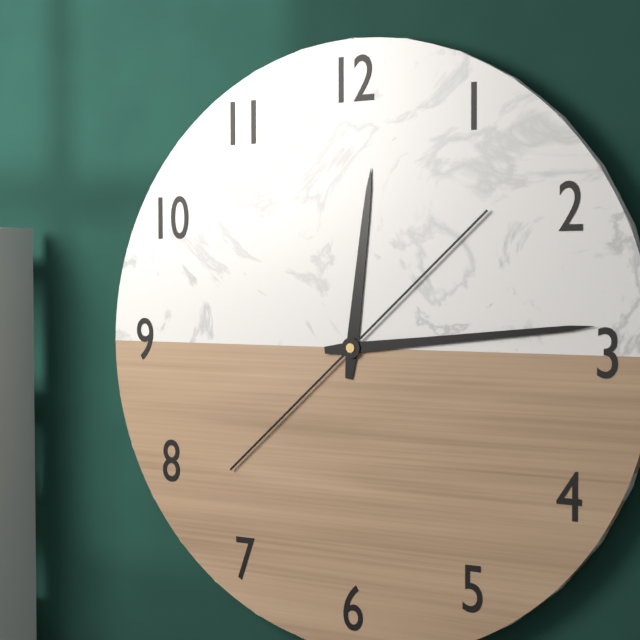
**12:14**
